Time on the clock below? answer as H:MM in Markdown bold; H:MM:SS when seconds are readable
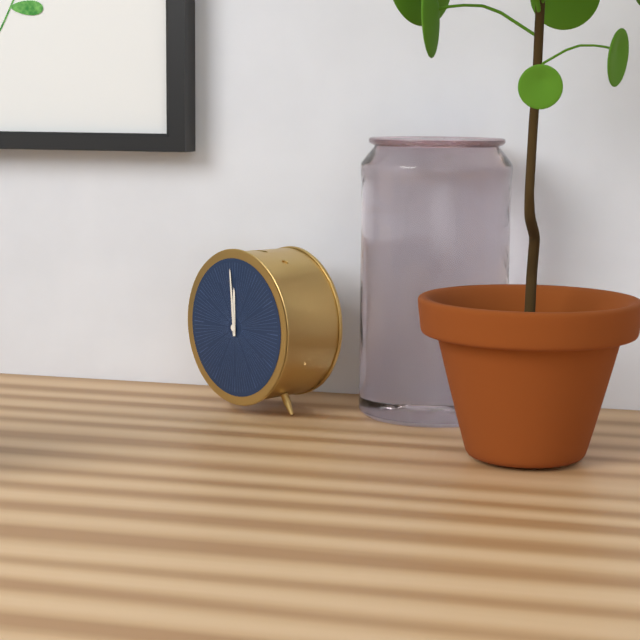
**11:59**
